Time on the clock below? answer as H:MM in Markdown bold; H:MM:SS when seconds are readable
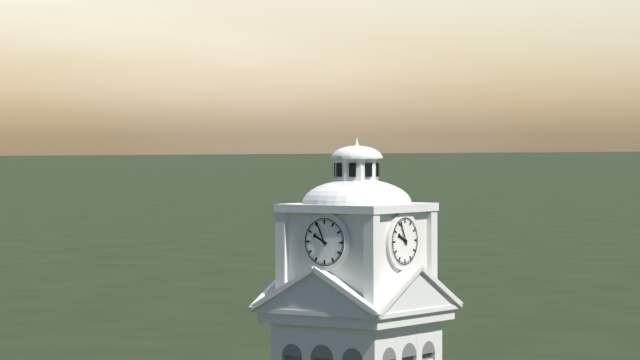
**9:56**
